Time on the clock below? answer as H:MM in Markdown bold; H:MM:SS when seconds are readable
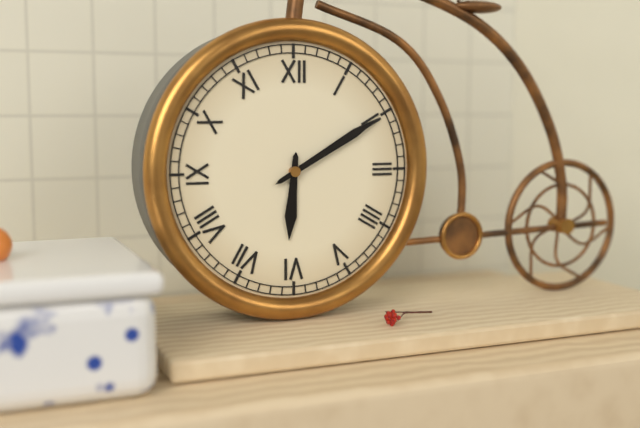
**6:10**
